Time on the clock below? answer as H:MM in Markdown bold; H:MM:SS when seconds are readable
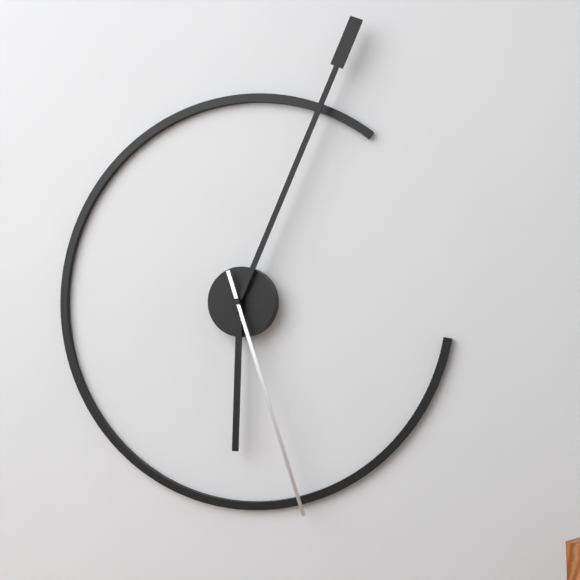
**6:04:27**
